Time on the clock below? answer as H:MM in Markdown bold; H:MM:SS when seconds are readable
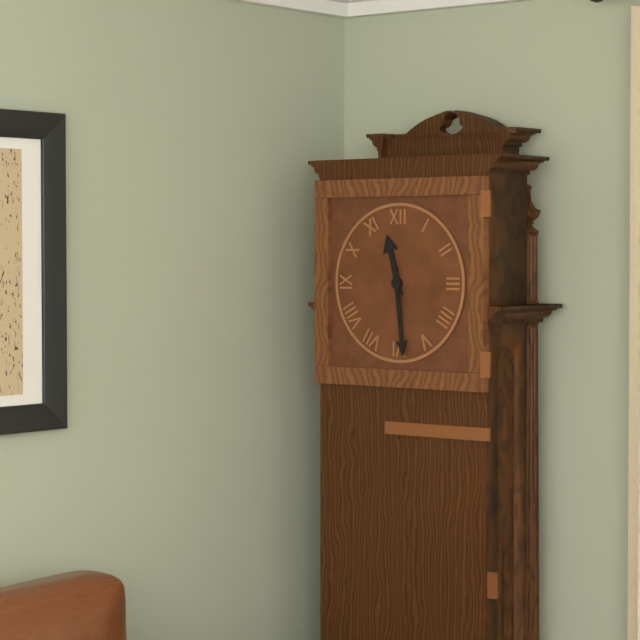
**11:29**
